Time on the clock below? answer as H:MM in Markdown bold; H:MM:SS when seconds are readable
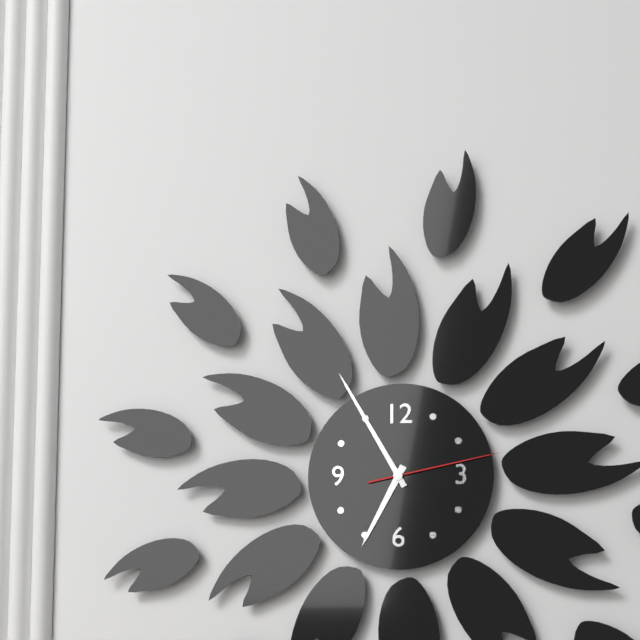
**6:55:13**
